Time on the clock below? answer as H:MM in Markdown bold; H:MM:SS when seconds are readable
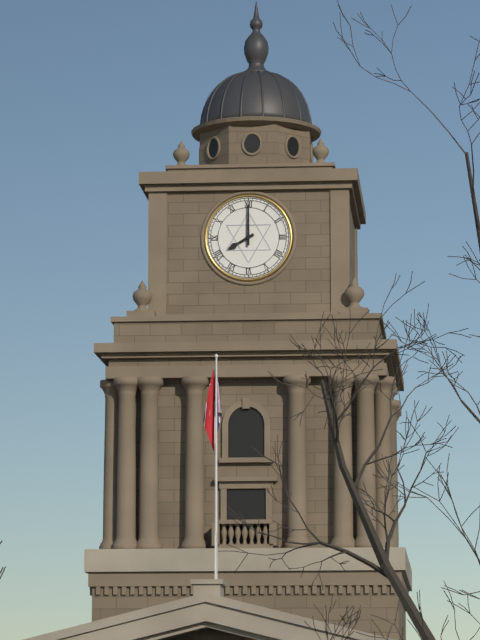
**8:00**
